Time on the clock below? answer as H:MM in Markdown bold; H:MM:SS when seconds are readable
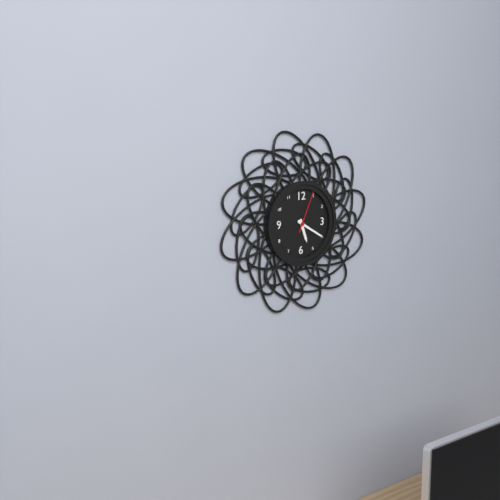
**5:20**
